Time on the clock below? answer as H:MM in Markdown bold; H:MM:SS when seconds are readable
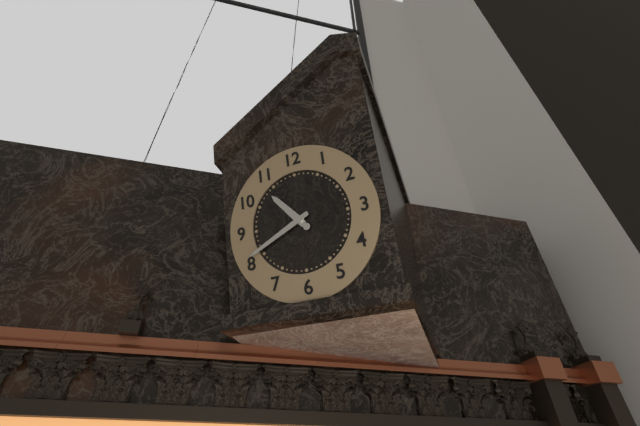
**10:41**
